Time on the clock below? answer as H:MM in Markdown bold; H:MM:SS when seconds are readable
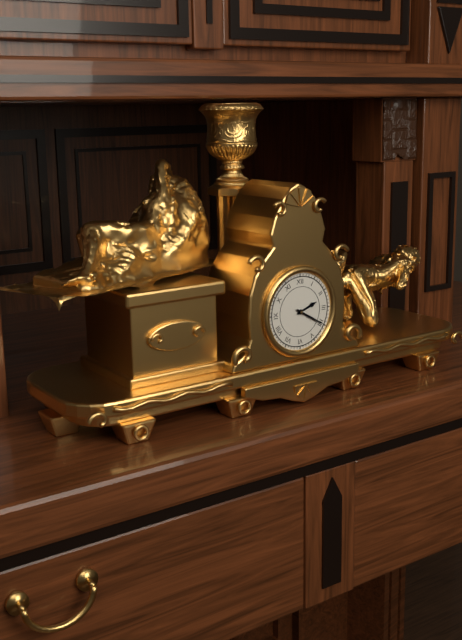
**2:20**
